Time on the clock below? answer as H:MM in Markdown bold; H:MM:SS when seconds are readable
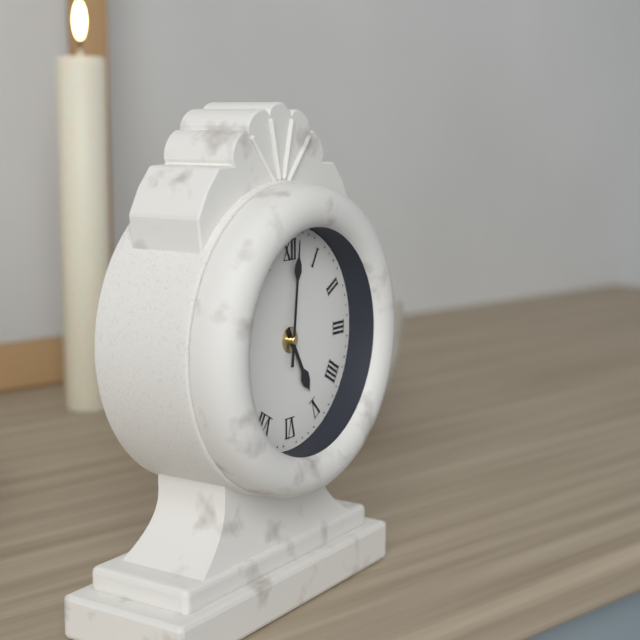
**5:01**
